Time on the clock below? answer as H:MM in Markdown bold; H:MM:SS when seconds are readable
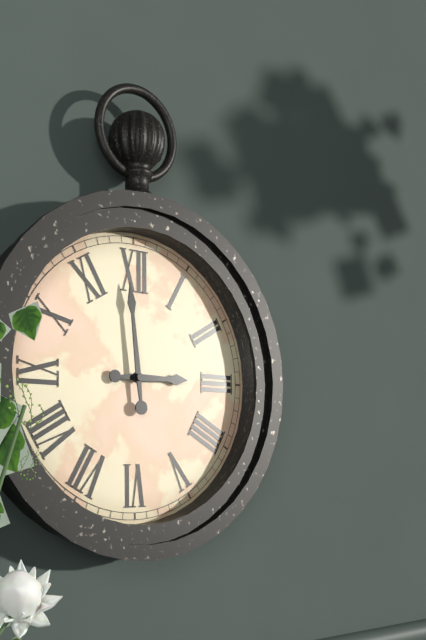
**2:59**
